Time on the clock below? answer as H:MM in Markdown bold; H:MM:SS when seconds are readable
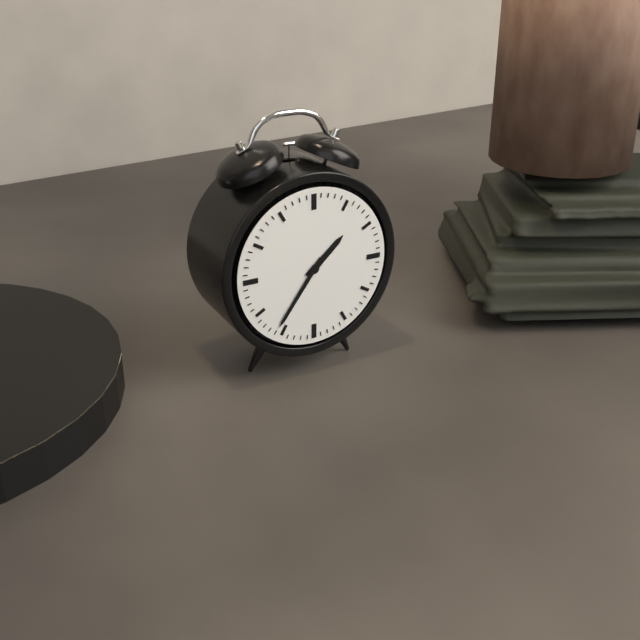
**1:36**
